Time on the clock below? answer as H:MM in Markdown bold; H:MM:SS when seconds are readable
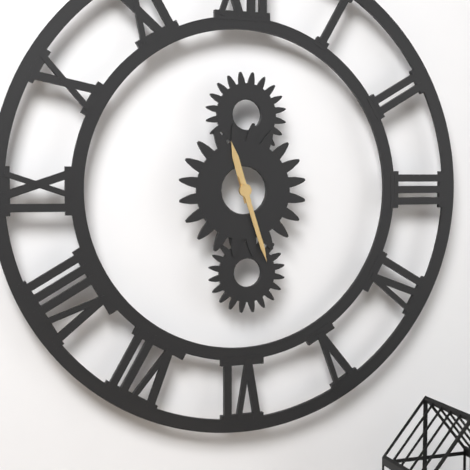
**11:27**
